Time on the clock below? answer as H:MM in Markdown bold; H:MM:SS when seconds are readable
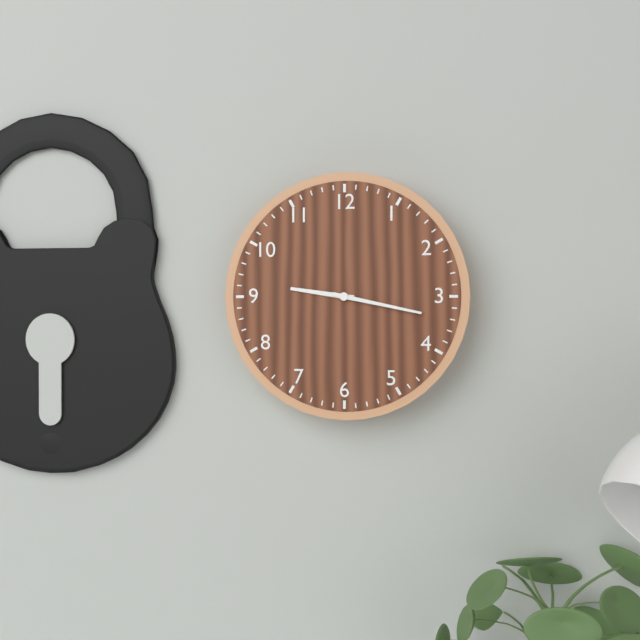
**9:17**
